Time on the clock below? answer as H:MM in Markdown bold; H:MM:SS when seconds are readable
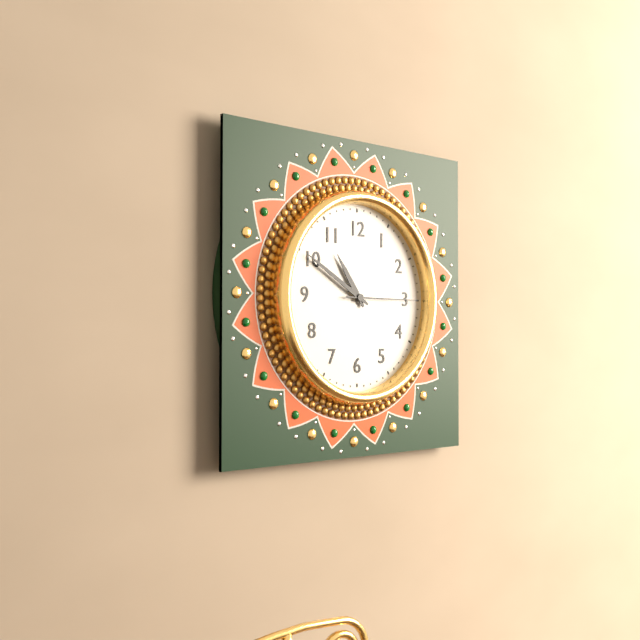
**10:50:15**
